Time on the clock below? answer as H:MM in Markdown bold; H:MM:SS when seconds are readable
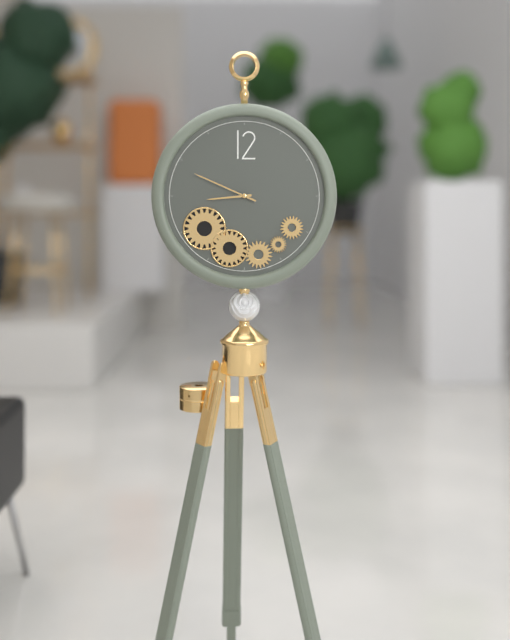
**8:49**
